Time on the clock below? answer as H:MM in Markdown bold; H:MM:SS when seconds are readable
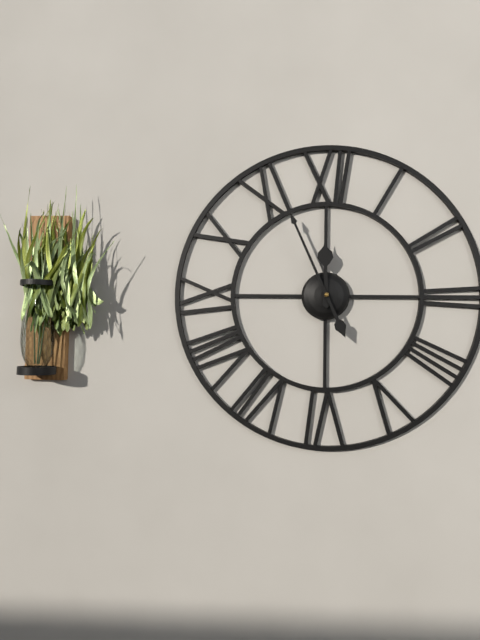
**11:56**
